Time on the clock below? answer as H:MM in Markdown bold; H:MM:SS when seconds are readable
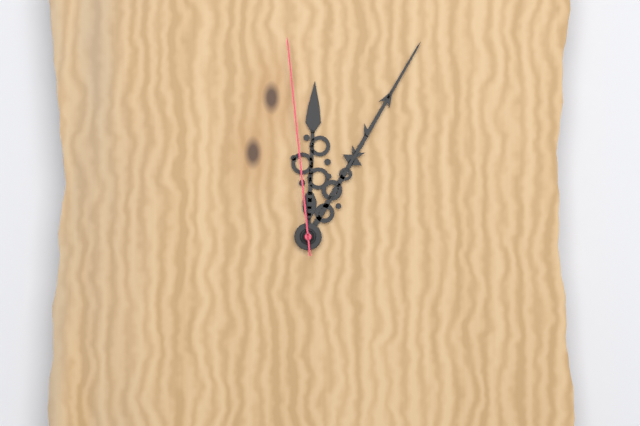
**12:05:59**
